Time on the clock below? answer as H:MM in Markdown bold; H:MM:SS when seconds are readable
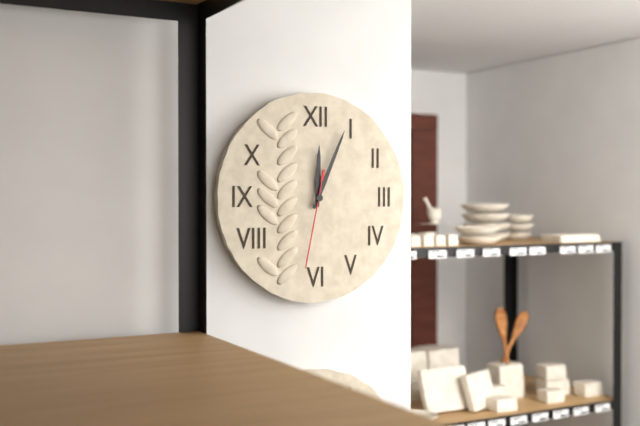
**12:04:32**
